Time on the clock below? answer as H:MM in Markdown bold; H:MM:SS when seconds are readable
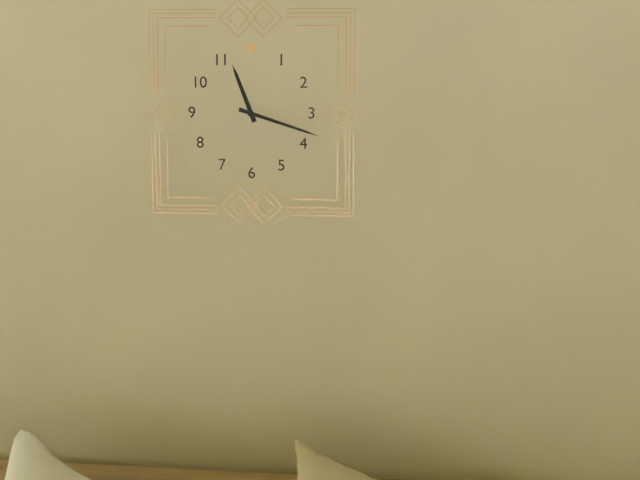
**11:18**
